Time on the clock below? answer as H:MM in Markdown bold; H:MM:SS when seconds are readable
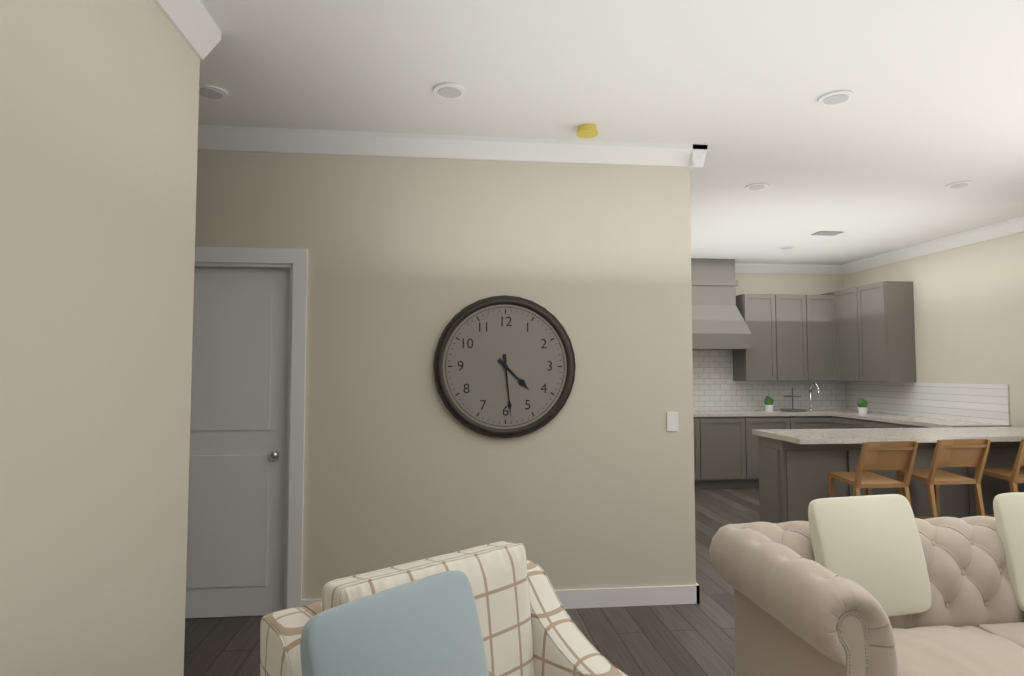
**4:29**
